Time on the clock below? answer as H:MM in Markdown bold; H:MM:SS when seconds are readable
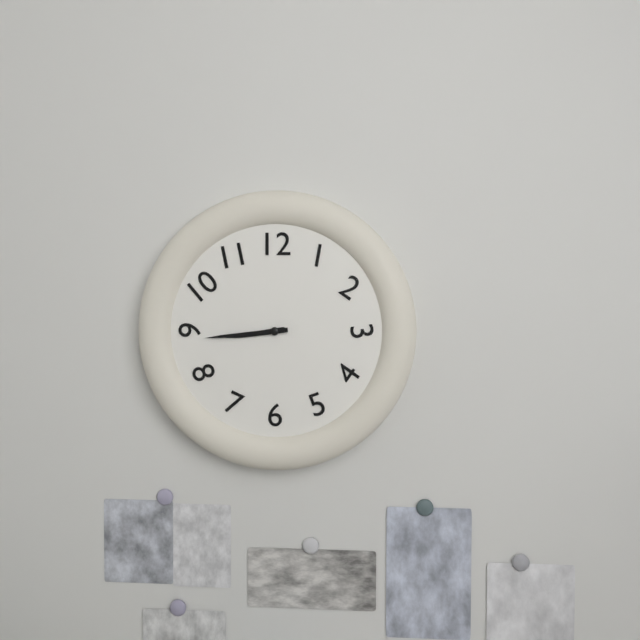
**8:44**
